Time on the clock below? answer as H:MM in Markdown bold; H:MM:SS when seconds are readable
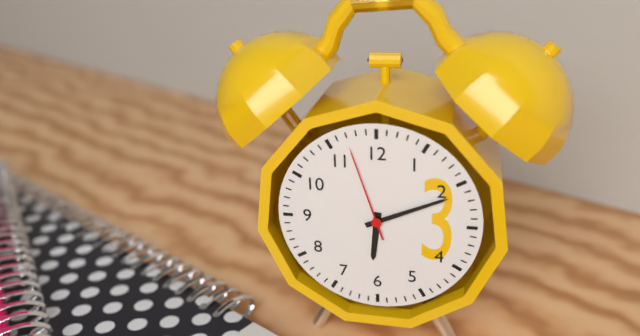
**6:11:57**
